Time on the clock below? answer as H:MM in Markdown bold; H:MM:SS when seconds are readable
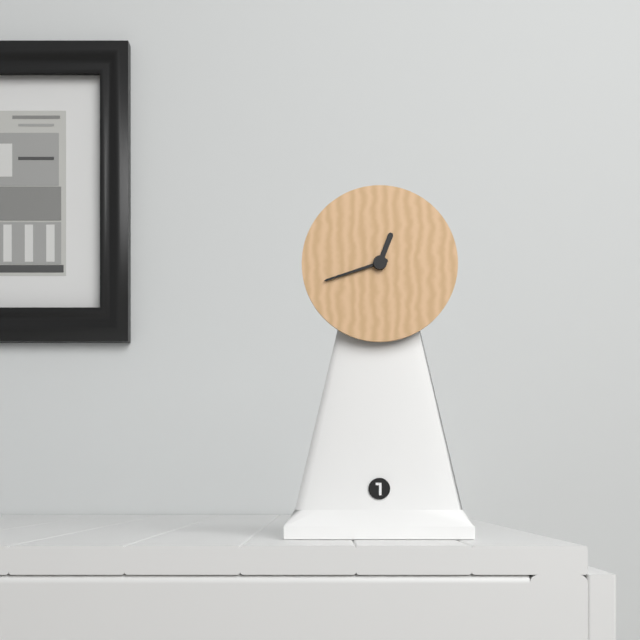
**12:42**
